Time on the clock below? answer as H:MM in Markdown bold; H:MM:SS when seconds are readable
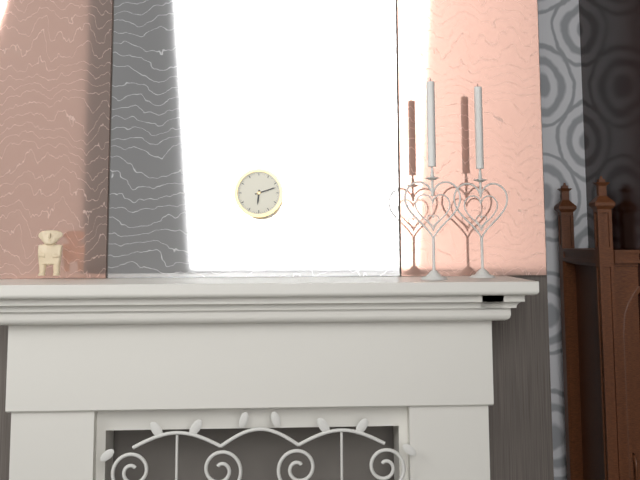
**6:12**
